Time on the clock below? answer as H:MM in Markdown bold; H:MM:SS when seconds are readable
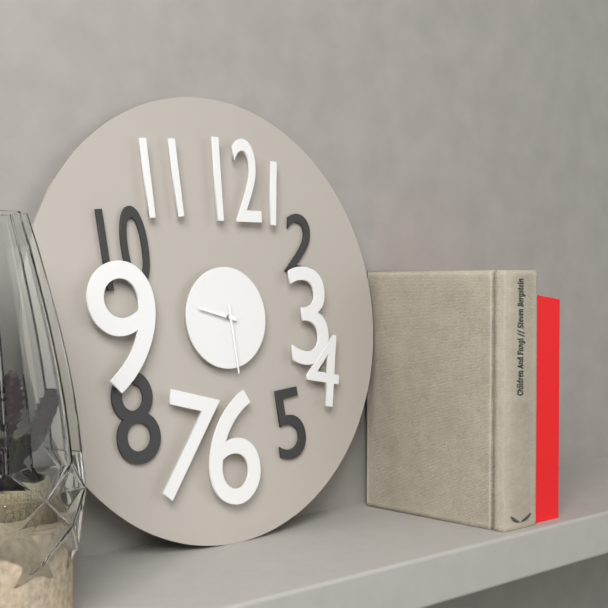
**9:29**
